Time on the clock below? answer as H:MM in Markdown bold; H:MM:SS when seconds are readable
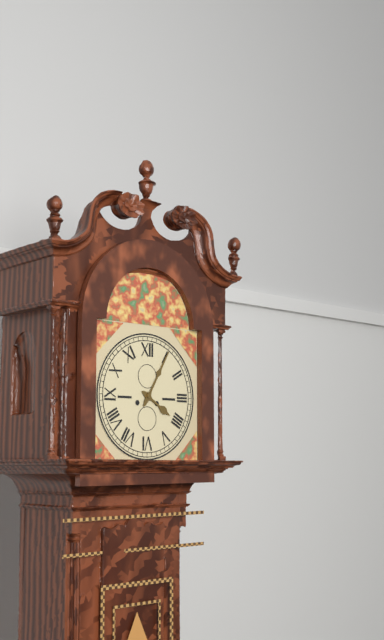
**4:05**
